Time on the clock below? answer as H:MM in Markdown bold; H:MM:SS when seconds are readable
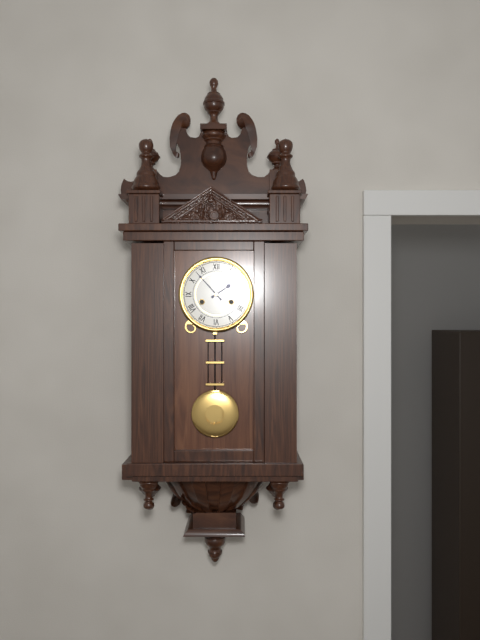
**1:53**
